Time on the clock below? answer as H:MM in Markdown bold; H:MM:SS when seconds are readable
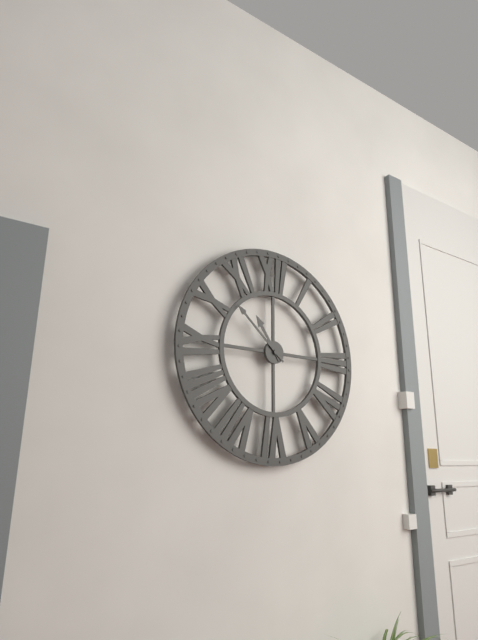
**10:52**
